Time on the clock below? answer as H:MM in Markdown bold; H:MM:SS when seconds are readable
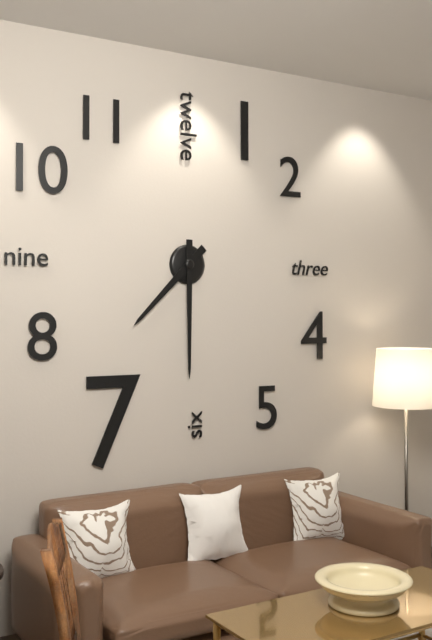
**7:30**
